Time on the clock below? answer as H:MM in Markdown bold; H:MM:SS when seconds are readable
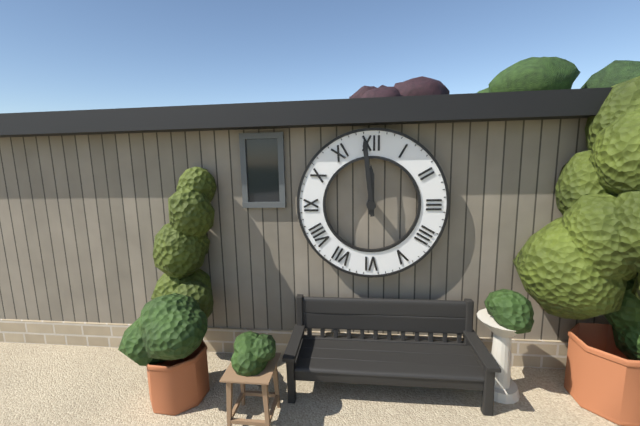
**11:59**
